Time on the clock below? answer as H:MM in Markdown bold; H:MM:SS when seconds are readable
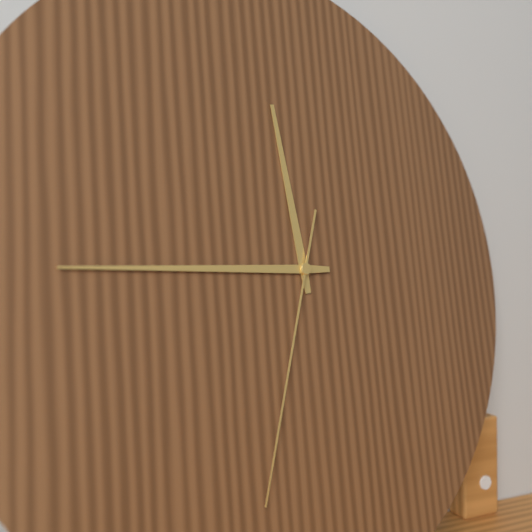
**11:45:33**
